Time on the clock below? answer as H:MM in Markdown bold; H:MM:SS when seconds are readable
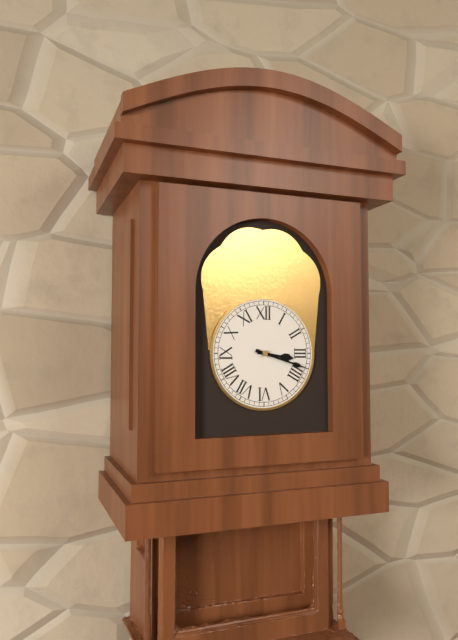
**3:18**
